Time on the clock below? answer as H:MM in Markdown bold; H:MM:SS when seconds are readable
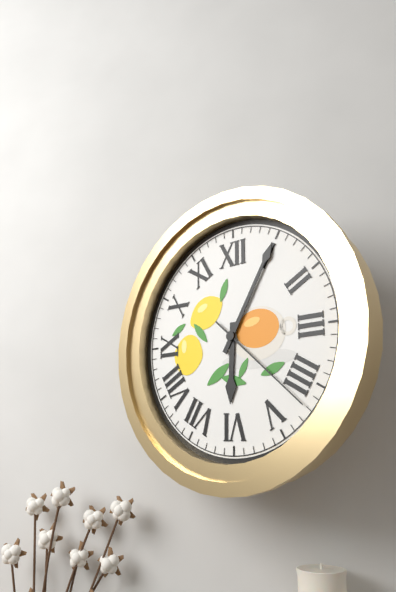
**6:05:22**
